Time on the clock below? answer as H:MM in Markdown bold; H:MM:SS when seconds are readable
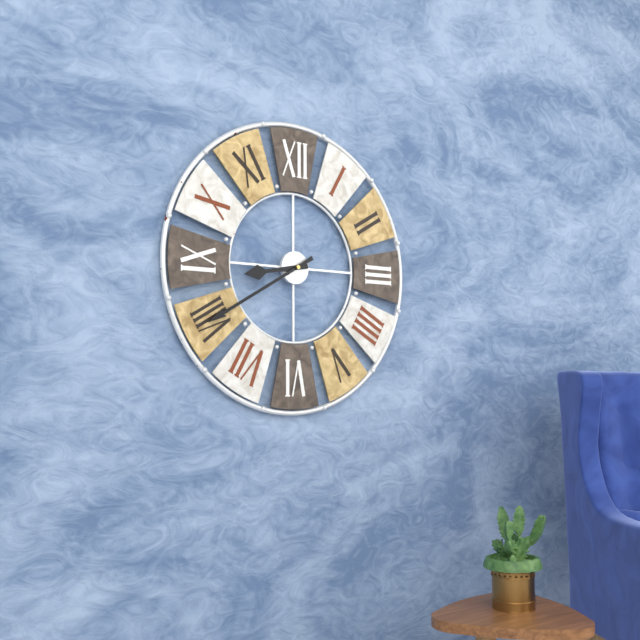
**8:40**
